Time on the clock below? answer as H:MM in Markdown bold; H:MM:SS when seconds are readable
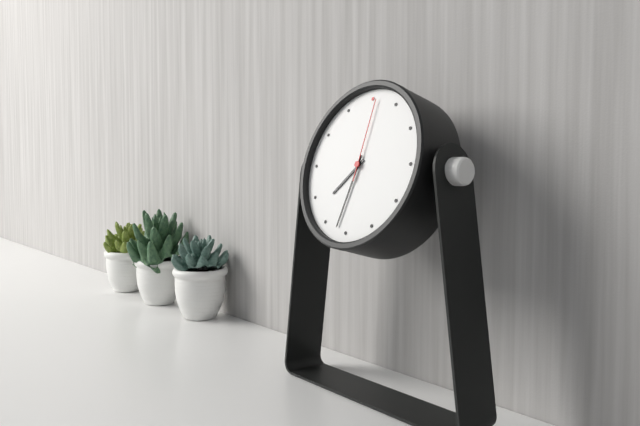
**7:32:01**
